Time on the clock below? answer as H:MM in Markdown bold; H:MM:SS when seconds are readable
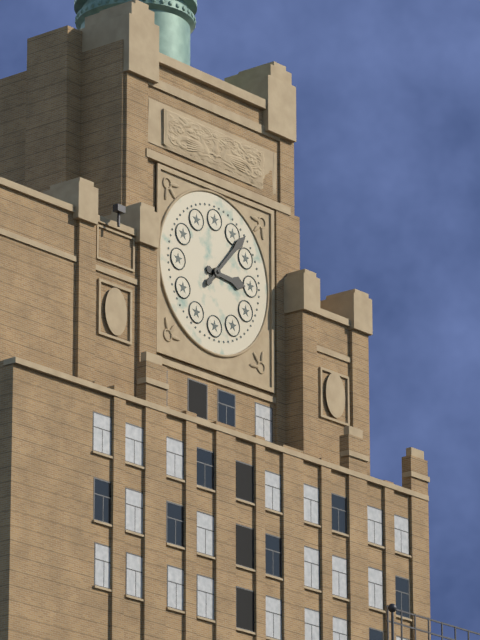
**3:07**
